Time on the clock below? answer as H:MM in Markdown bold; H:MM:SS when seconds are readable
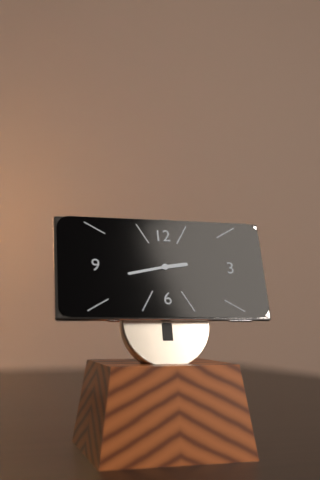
**2:43**
